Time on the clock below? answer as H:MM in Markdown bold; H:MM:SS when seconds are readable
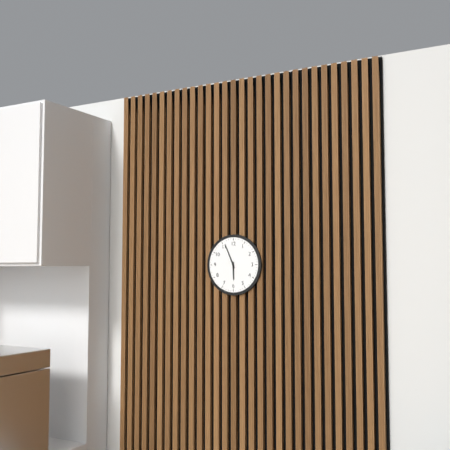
**5:56**
